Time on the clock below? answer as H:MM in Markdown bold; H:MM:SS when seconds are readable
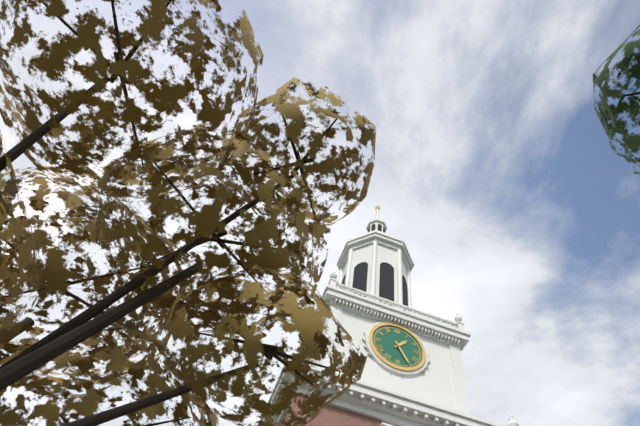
**1:25**
